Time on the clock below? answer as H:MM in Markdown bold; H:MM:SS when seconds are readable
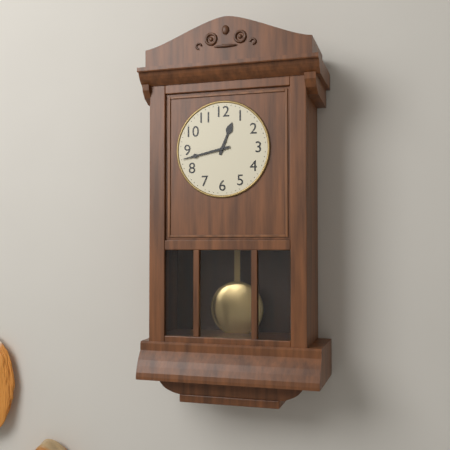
**12:43**
